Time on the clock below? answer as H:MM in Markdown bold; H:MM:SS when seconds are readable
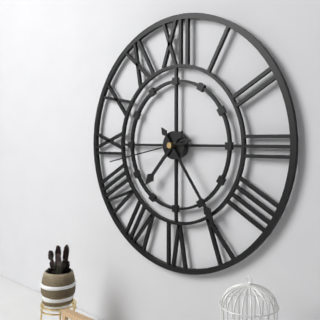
**7:24:43**
